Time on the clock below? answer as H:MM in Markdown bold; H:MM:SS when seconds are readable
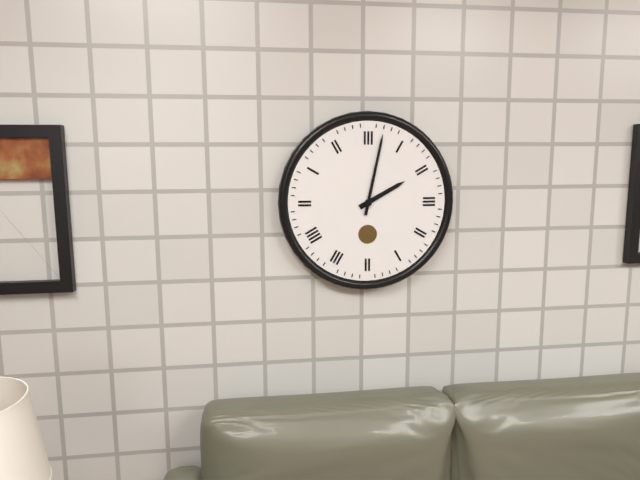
**2:02**
